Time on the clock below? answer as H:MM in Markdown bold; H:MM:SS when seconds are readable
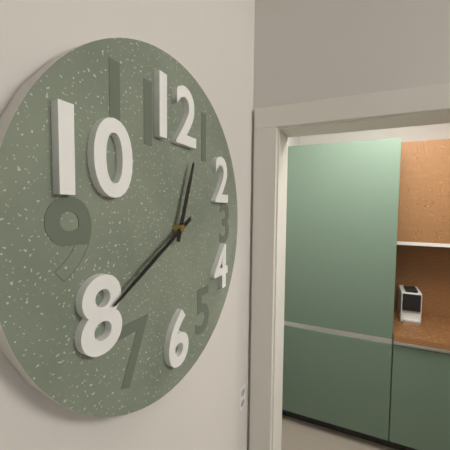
**12:40**
